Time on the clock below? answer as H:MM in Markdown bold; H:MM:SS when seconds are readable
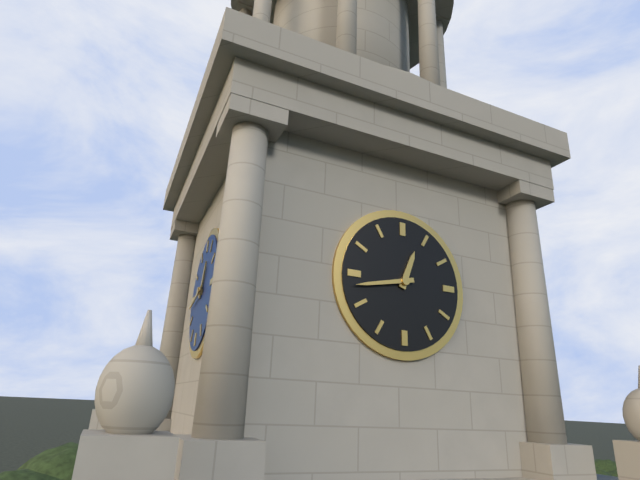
**12:43**
